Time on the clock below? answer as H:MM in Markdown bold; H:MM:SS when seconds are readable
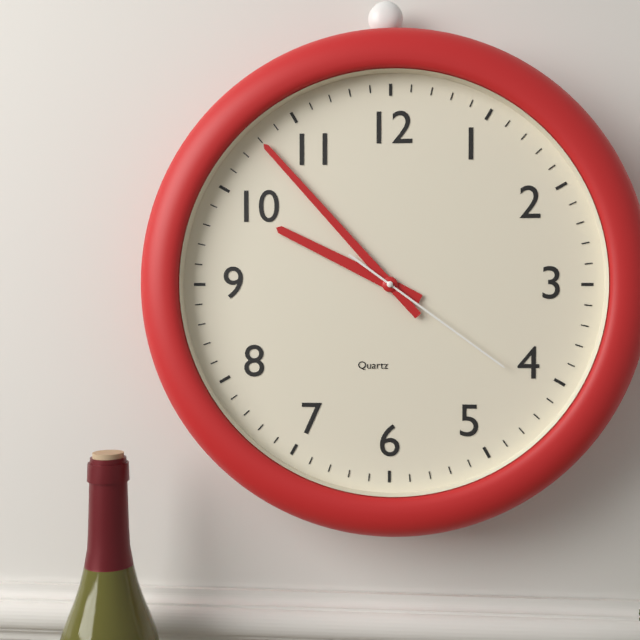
**9:53:21**
